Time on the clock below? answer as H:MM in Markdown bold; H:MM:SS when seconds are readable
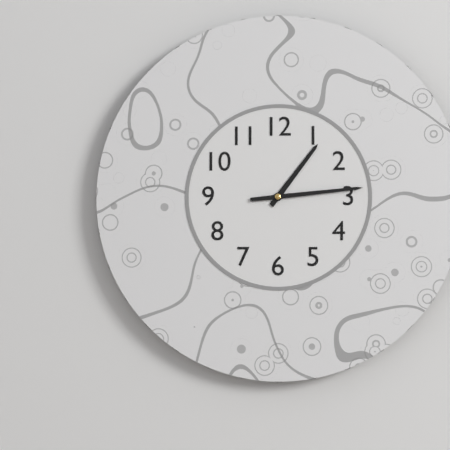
**1:14**
